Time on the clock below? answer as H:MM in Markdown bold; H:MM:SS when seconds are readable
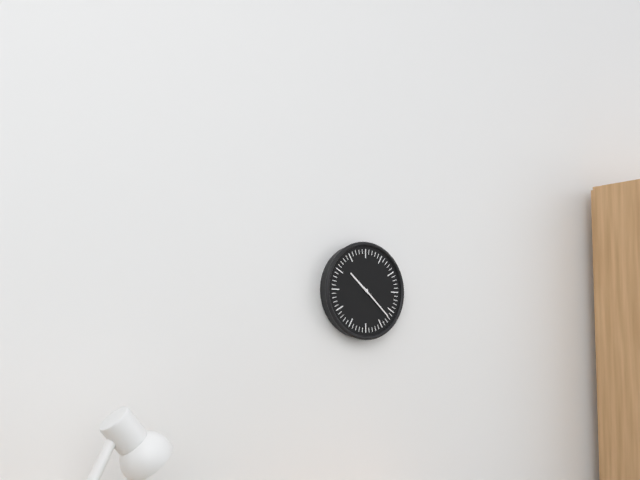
**10:22**
